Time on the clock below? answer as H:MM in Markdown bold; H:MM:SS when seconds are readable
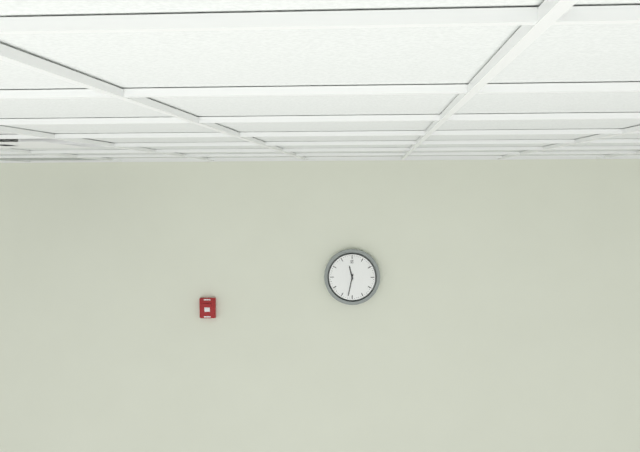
**11:32**
